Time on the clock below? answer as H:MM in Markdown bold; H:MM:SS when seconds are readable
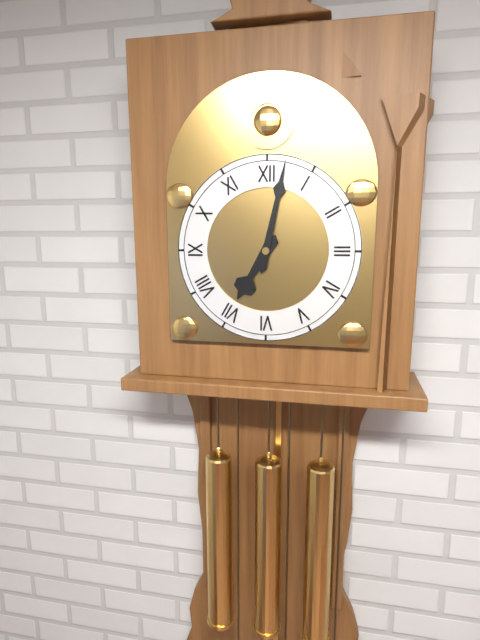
**7:02**
